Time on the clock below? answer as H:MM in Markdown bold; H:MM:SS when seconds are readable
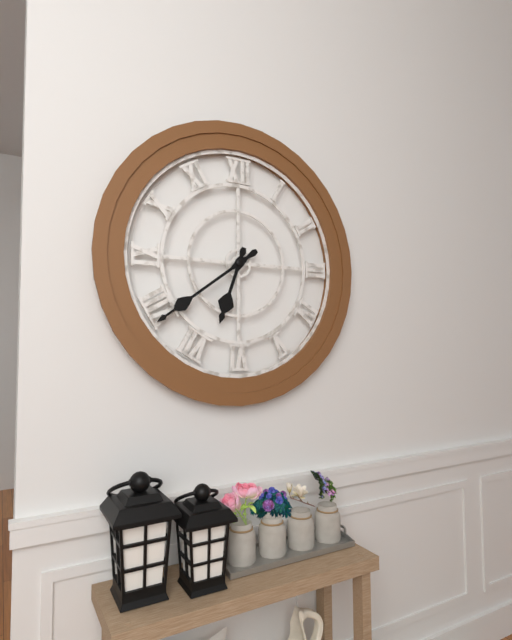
**6:39**
